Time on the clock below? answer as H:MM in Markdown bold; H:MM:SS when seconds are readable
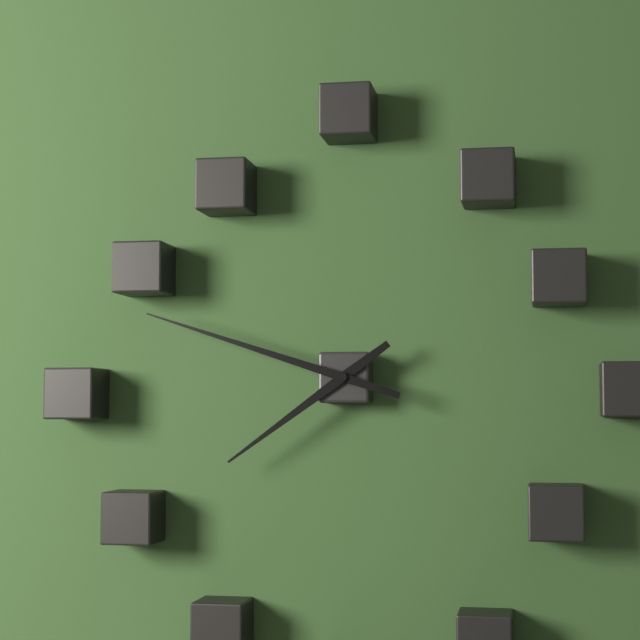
**7:48**
